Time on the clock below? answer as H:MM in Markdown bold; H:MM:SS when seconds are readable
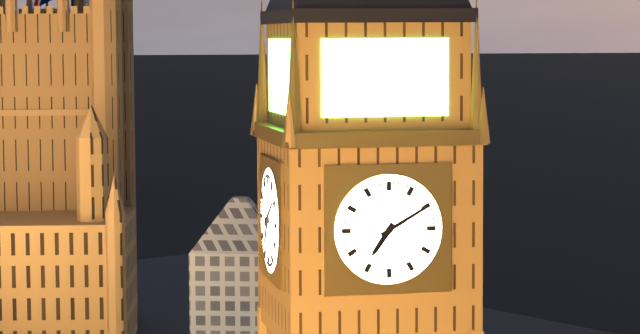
**7:10**
